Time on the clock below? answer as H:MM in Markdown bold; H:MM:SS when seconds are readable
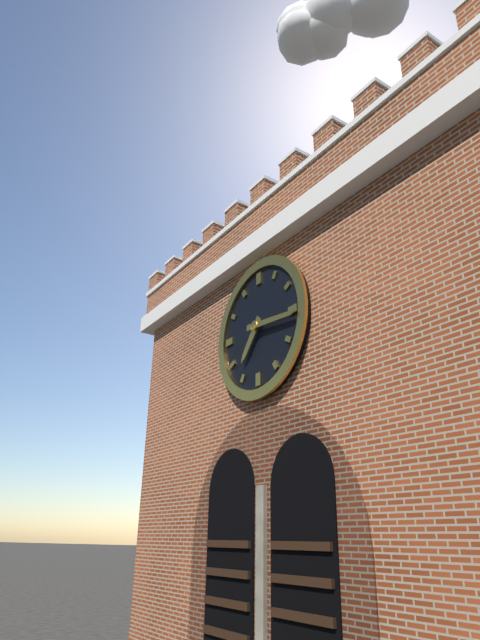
**7:16**
